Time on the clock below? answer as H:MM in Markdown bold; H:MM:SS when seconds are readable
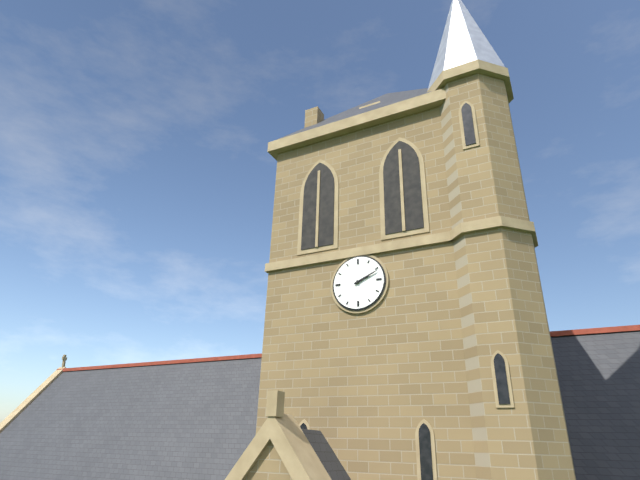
**2:11**
